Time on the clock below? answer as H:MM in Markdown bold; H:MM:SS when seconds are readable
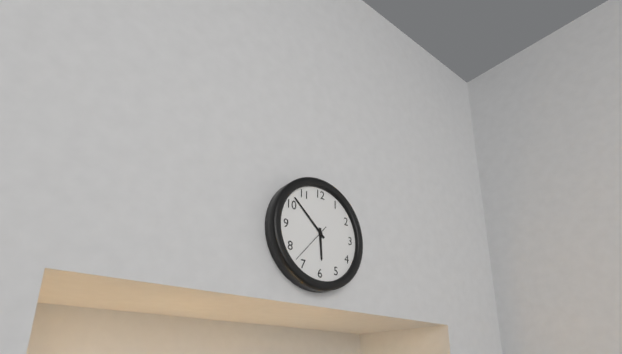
**5:52**
